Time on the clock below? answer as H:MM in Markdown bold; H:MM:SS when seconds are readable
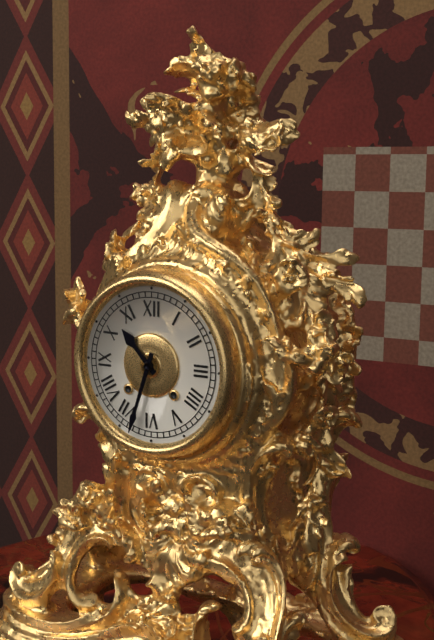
**10:33**
